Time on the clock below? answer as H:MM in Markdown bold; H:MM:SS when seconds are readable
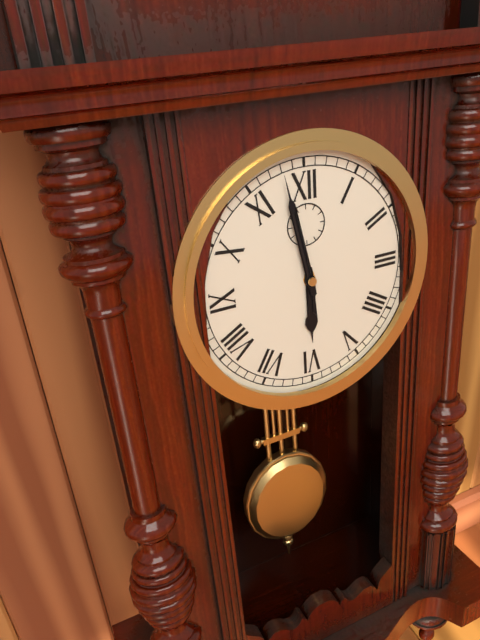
**5:58**
